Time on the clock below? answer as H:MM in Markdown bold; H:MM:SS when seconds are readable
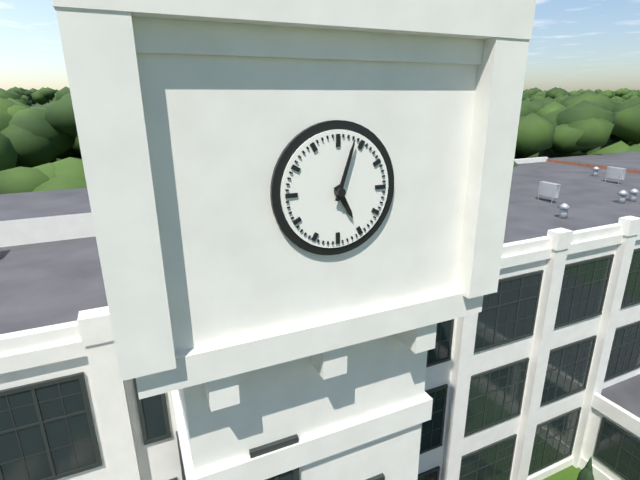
**5:03**
